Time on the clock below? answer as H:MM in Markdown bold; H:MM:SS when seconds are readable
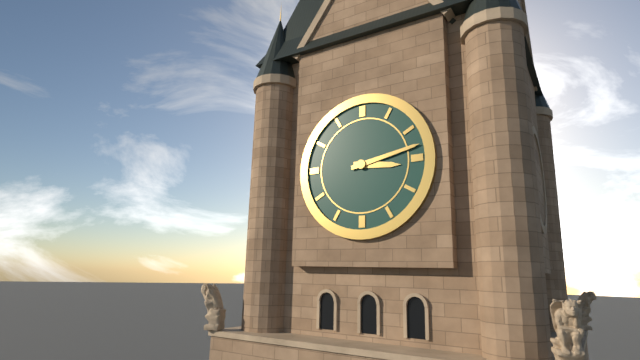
**3:13**
